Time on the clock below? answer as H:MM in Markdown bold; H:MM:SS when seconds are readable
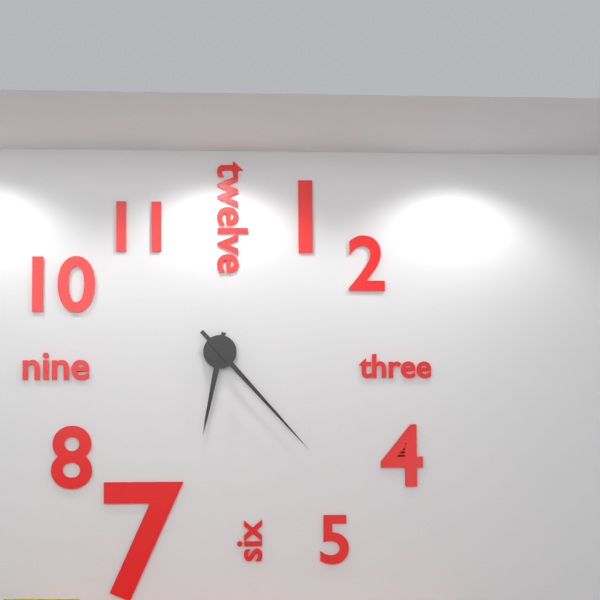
**6:23**
